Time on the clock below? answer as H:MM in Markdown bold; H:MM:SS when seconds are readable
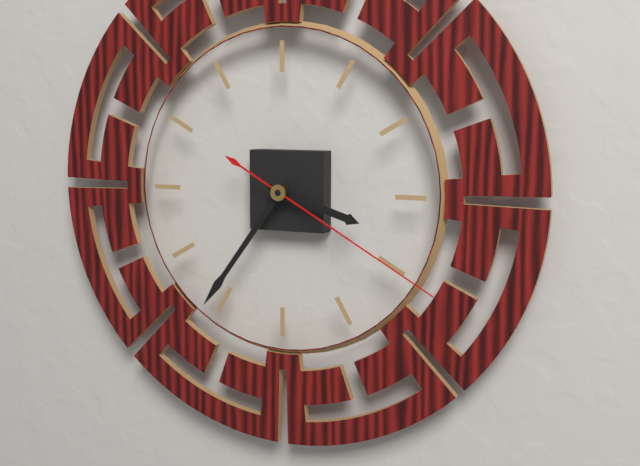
**3:36:20**
